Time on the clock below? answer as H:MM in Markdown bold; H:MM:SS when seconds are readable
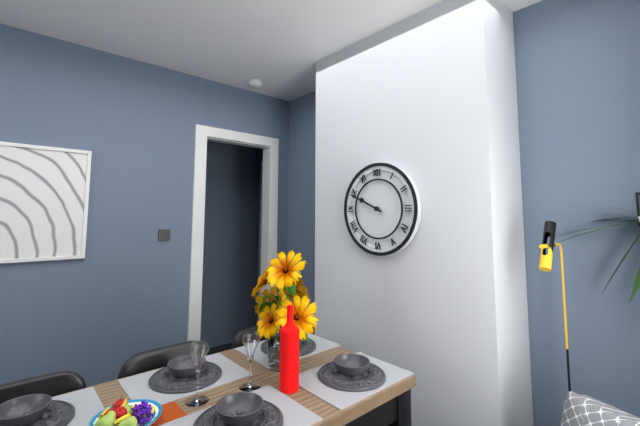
**9:49**
